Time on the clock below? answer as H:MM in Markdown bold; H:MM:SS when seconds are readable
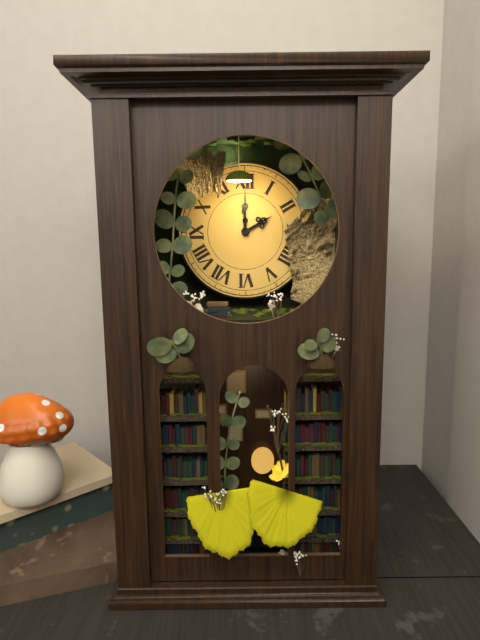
**2:00**
